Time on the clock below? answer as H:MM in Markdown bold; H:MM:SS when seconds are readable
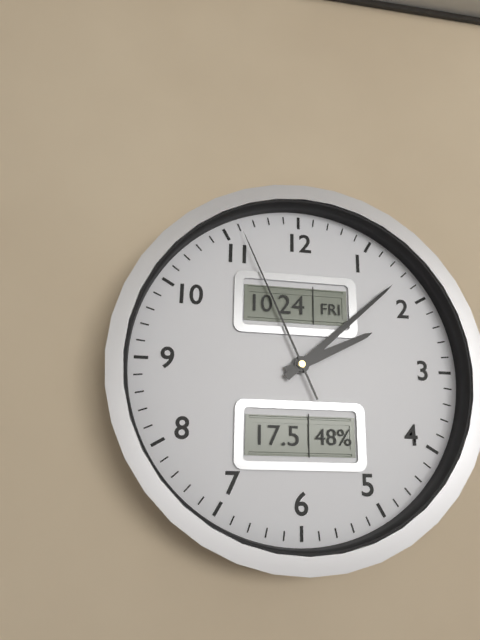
**2:08:56**
